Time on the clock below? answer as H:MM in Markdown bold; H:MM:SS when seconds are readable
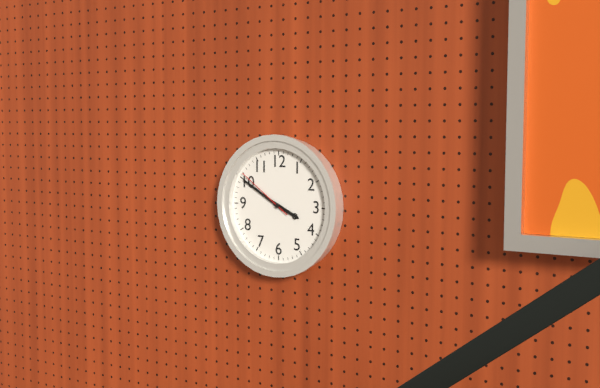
**3:50:51**
